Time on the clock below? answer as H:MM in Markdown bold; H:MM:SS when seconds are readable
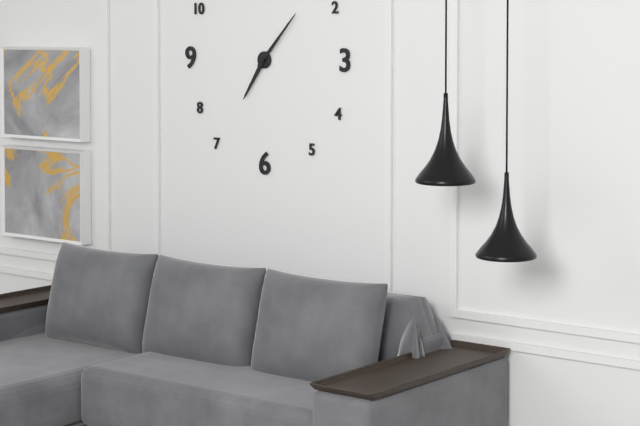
**7:07**
